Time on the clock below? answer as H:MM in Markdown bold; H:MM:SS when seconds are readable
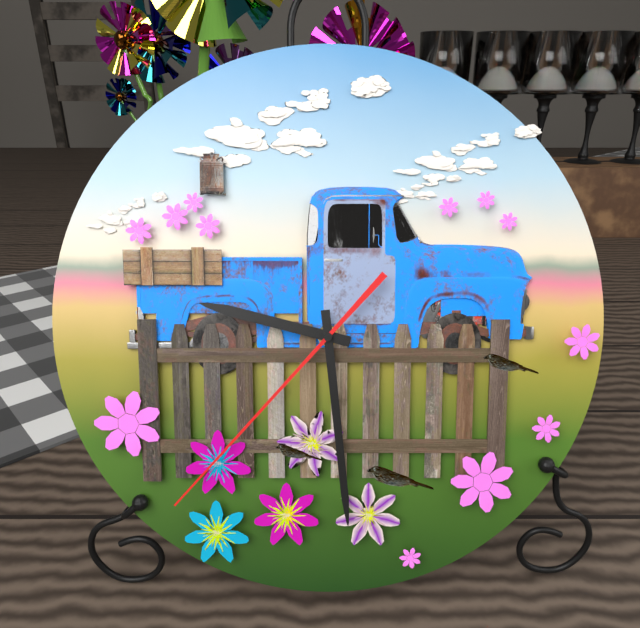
**9:29:37**
